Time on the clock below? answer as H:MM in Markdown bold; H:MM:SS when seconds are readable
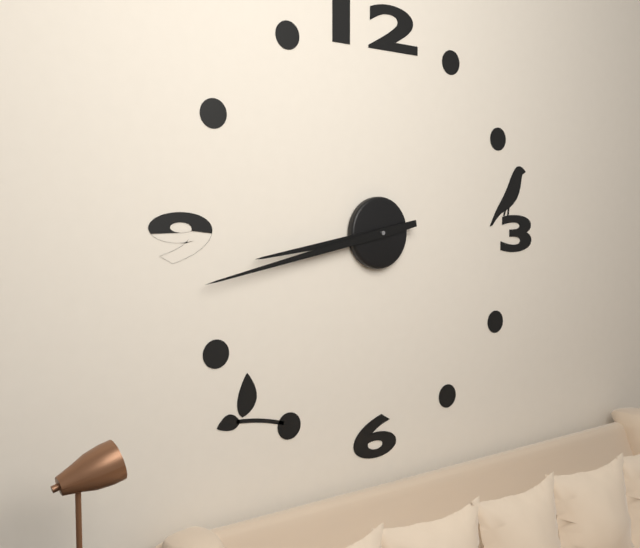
**8:43**
